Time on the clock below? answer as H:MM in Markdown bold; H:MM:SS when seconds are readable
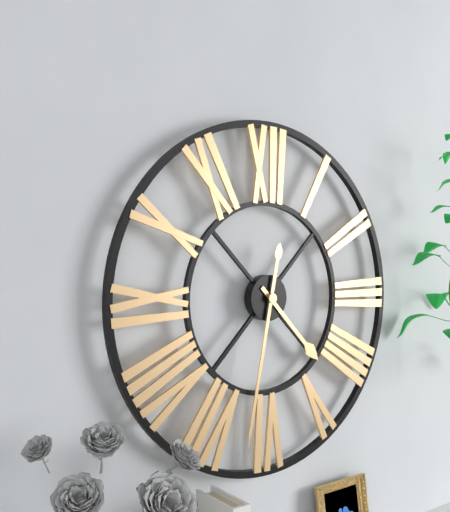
**4:32**
